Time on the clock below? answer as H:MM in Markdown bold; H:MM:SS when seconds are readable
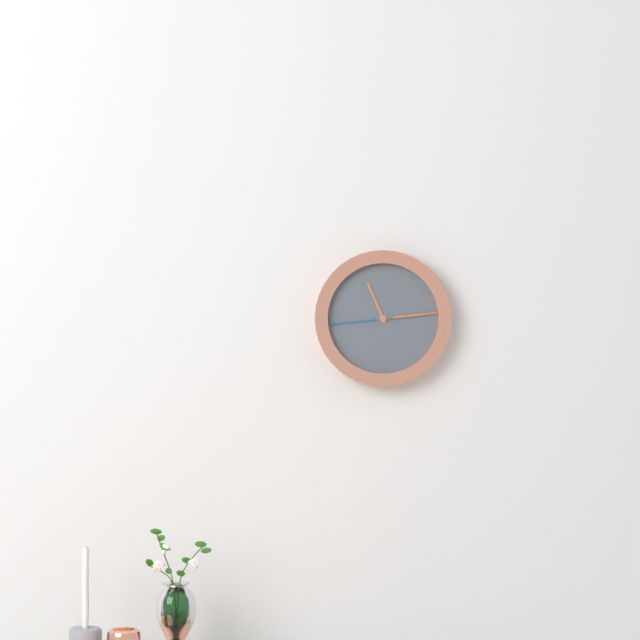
**11:14:44**
